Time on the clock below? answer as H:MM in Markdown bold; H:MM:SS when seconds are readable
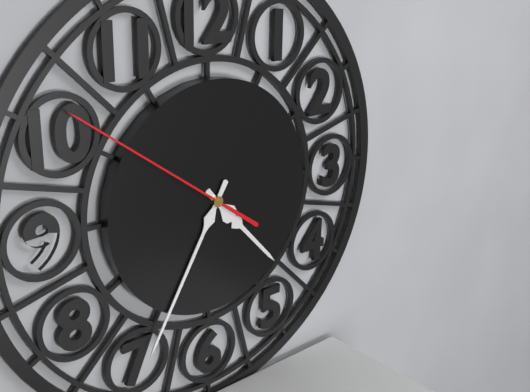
**4:35:51**
